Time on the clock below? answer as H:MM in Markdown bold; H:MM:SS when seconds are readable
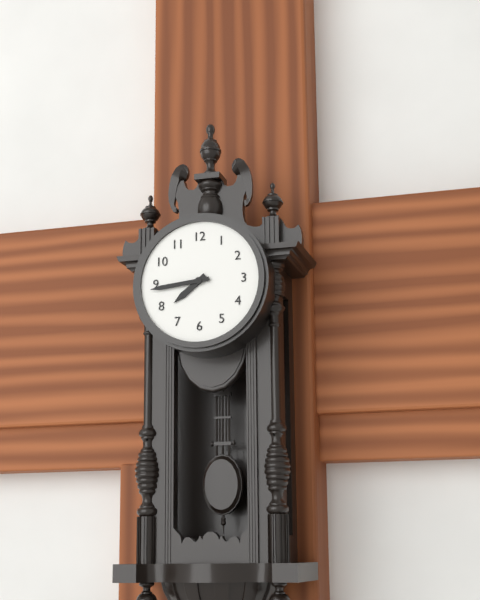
**7:44**
